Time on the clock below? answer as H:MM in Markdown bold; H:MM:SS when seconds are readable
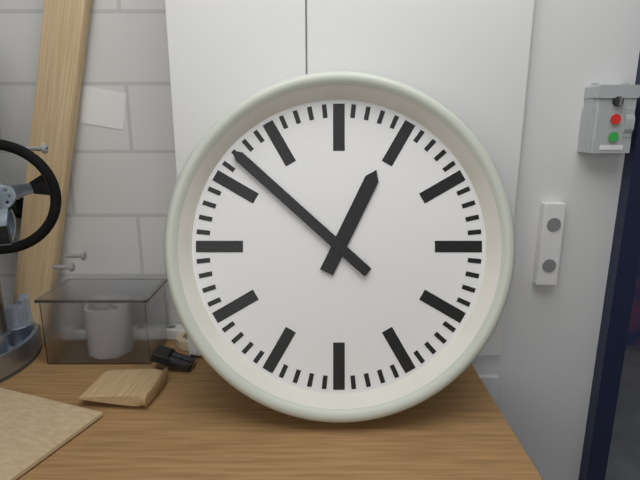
**12:52**
